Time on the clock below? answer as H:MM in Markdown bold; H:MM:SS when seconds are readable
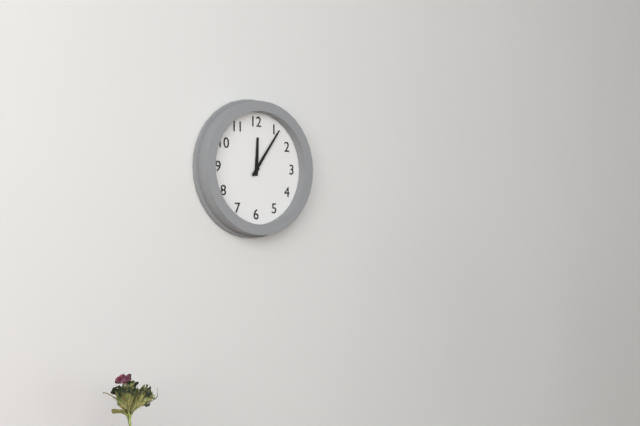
**12:06**
